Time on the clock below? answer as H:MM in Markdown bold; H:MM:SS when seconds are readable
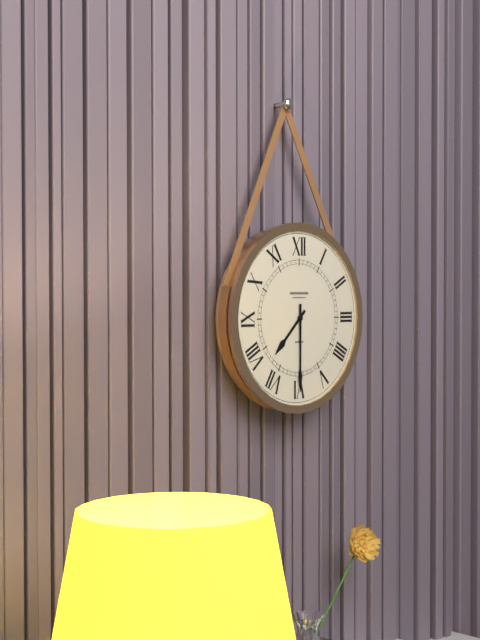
**7:30**
